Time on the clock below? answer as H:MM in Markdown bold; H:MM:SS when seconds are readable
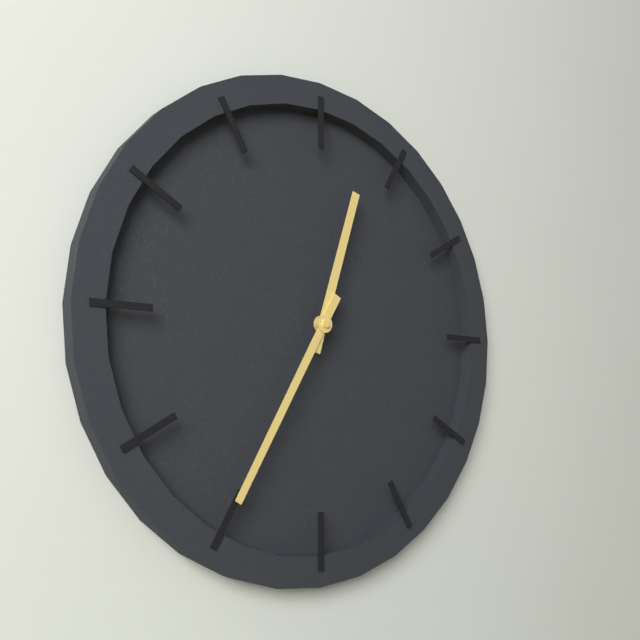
**12:35**
